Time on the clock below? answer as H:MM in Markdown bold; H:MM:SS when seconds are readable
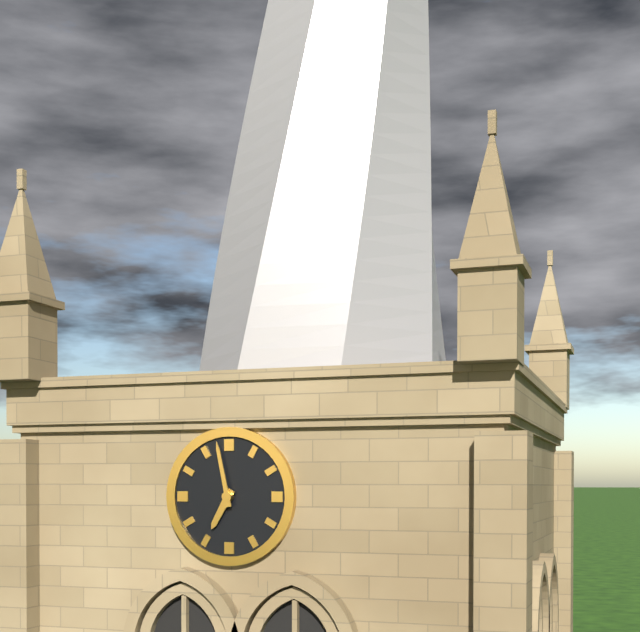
**6:58**
